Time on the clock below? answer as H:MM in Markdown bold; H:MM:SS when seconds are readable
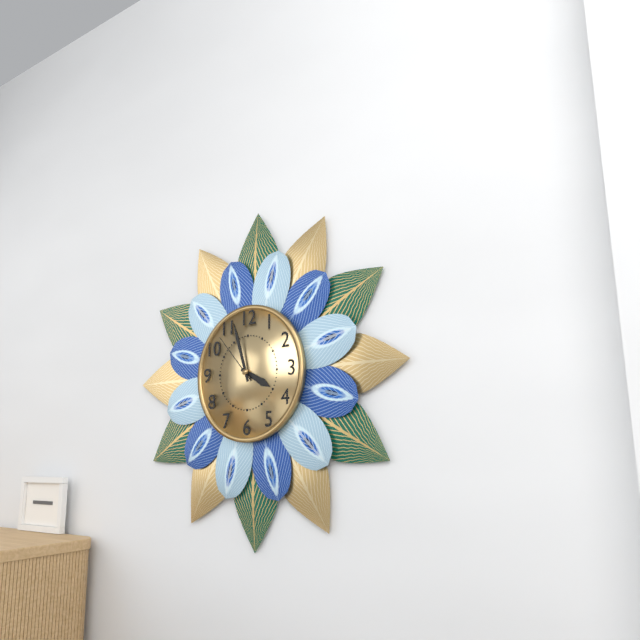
**3:57:53**
